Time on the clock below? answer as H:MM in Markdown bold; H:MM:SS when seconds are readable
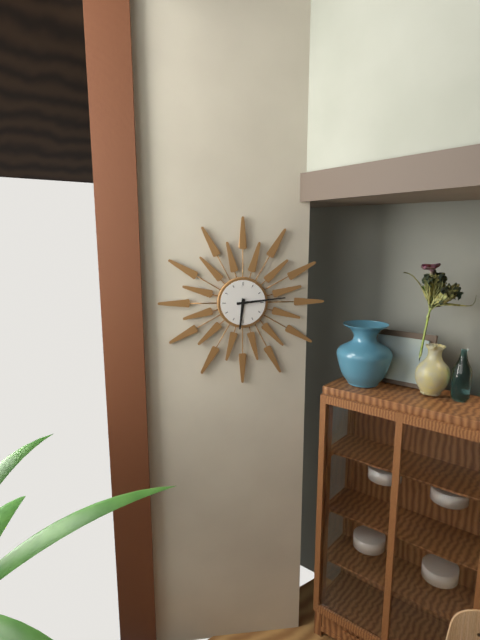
**6:14**
